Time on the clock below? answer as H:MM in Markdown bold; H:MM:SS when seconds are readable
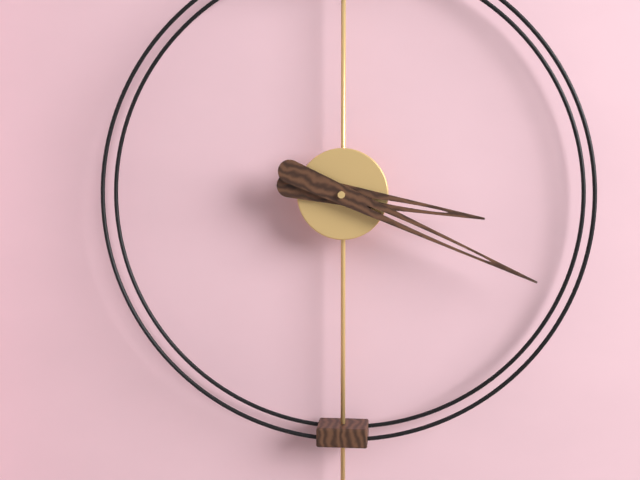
**3:19**
